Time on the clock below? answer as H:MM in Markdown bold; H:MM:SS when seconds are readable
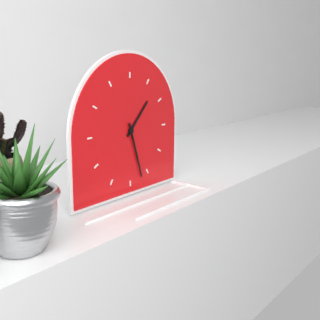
**1:27**
